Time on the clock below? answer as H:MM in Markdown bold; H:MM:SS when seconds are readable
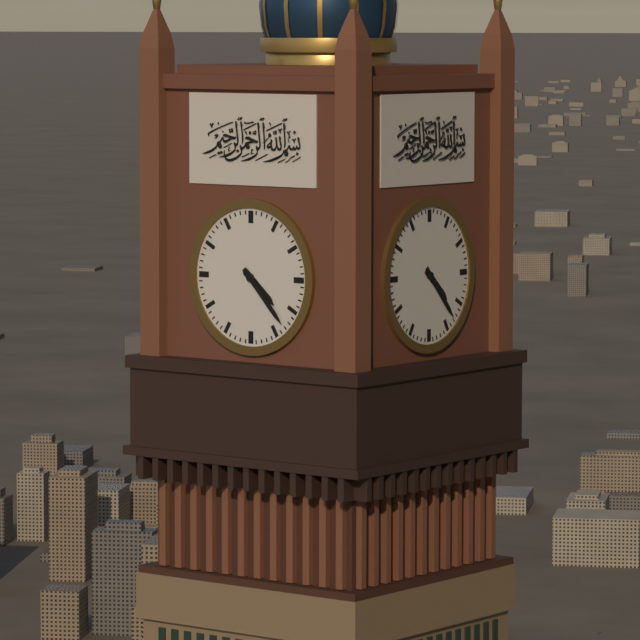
**4:23**
